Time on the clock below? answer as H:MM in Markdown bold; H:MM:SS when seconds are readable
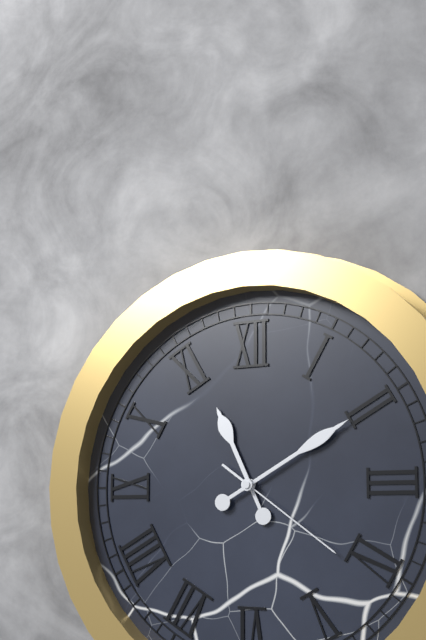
**11:10:21**
